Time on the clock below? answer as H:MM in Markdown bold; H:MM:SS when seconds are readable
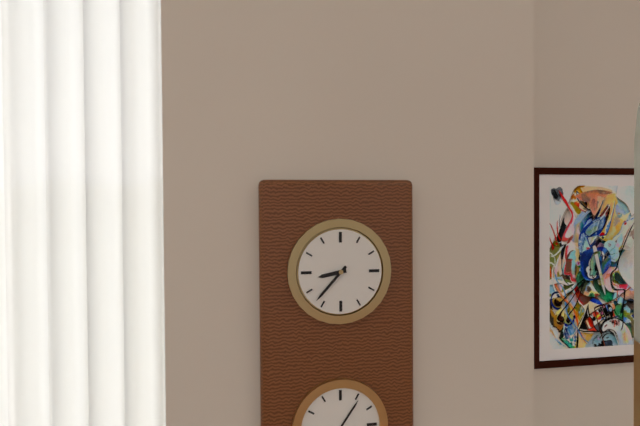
**8:37**
